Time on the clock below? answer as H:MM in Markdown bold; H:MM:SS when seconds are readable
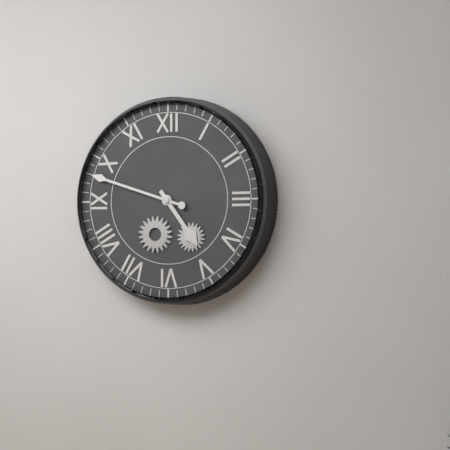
**4:48**
